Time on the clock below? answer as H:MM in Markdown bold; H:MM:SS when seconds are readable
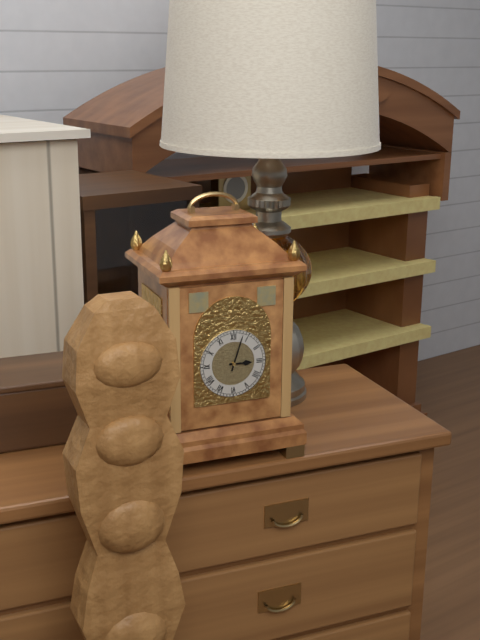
**3:03**
